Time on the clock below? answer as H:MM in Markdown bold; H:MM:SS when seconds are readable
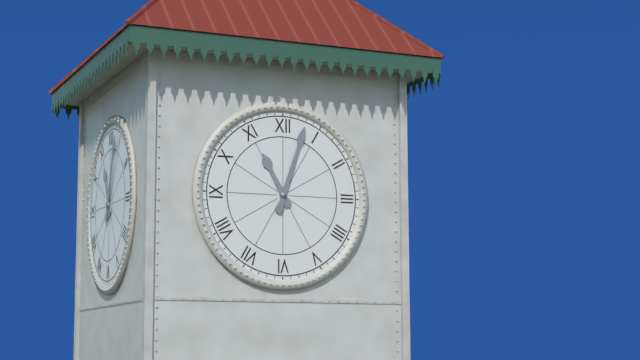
**11:03**
